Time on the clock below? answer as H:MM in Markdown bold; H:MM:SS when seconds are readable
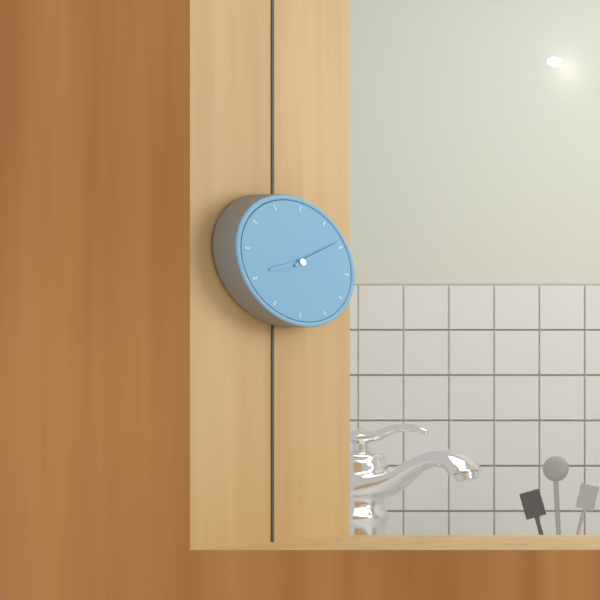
**8:09**
